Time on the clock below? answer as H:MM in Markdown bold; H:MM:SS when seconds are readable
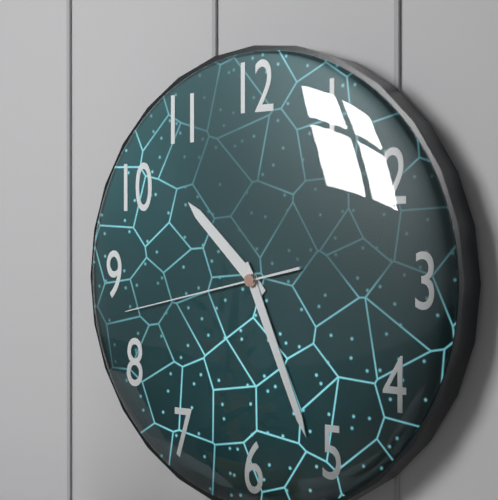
**10:26:43**
